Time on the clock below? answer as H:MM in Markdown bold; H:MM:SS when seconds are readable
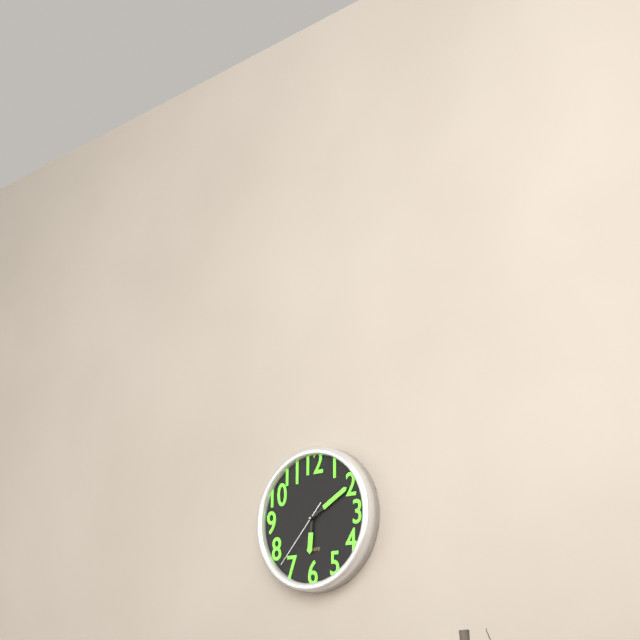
**6:10:37**
